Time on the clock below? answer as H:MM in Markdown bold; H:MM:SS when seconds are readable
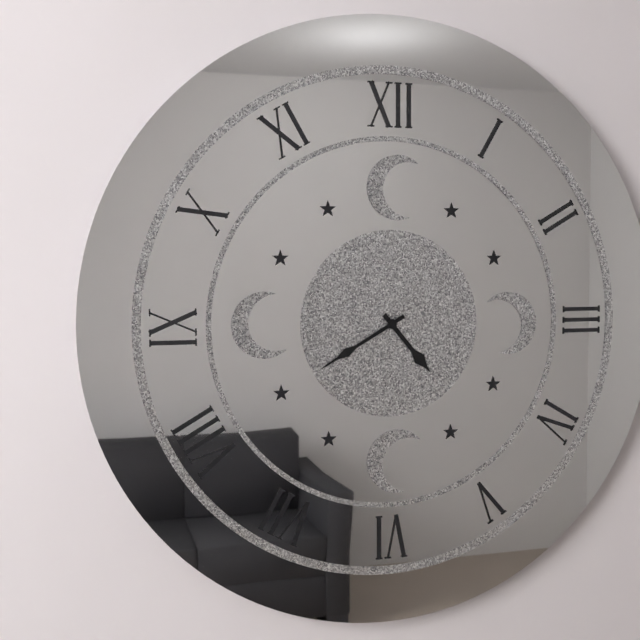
**4:40**
